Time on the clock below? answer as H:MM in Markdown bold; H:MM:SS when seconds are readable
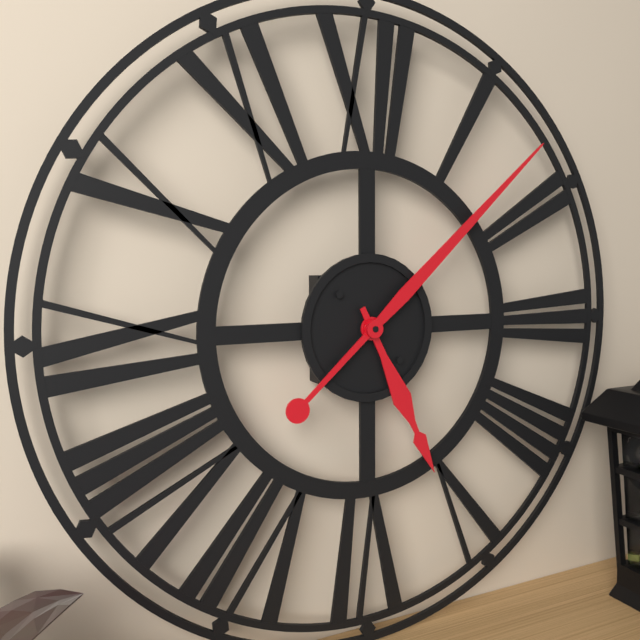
**5:08**
